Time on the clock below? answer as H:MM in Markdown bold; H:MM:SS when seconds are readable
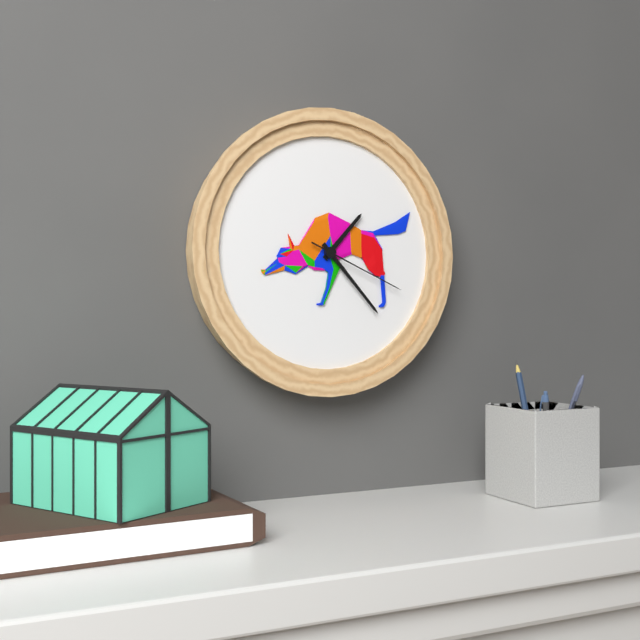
**1:23:19**
